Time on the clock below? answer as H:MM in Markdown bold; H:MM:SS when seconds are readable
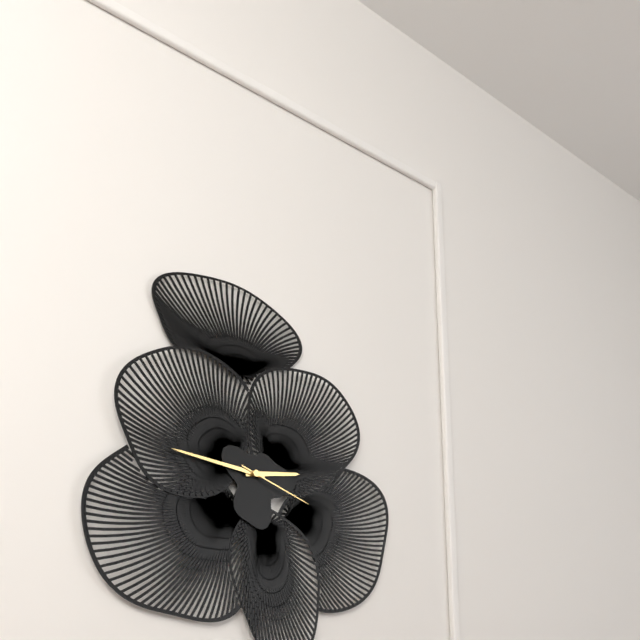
**2:46:18**
